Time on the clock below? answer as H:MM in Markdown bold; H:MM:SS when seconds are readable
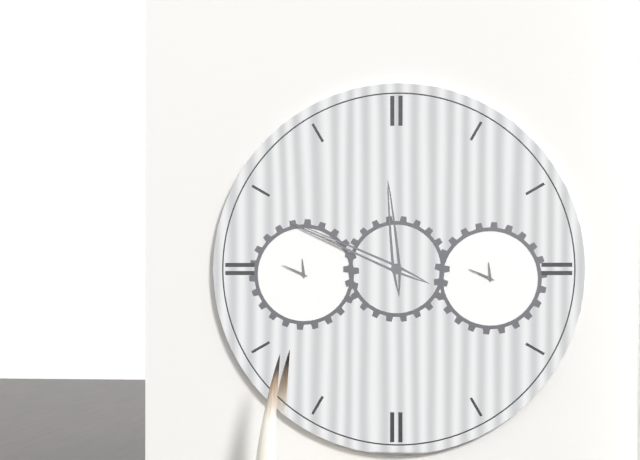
**11:49**
